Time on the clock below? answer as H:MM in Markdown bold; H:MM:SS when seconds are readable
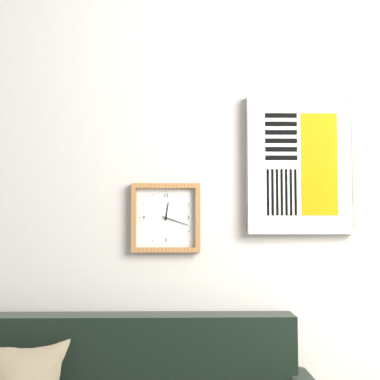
**12:18**
